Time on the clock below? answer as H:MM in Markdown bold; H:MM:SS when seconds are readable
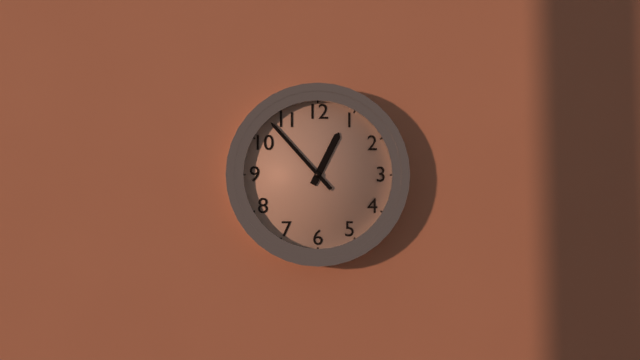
**12:53**
